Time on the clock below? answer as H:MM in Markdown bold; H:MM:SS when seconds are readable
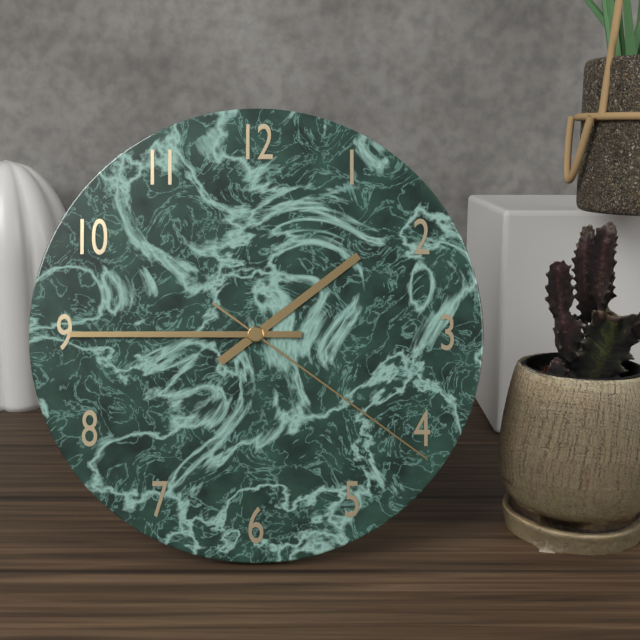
**1:45:21**
